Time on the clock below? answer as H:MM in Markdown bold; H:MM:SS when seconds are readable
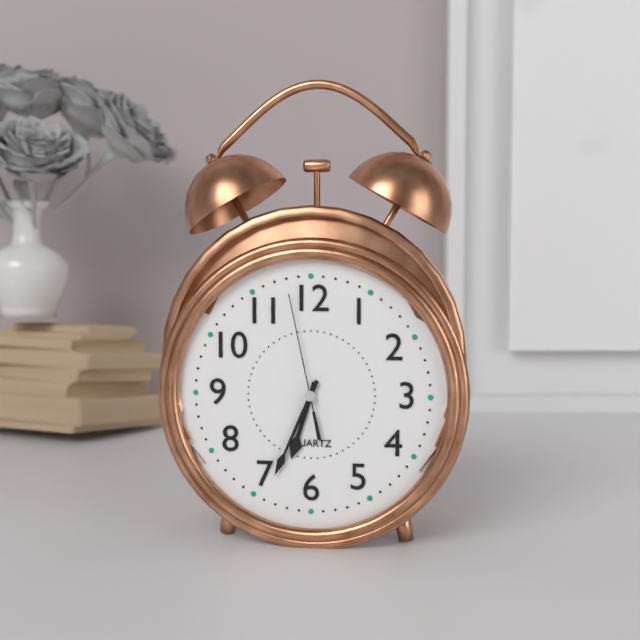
**6:34:58**
